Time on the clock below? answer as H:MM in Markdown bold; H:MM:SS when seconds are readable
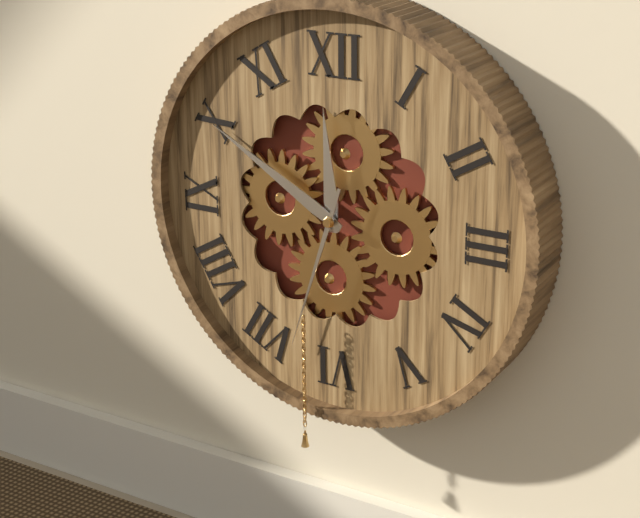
**11:50:33**
